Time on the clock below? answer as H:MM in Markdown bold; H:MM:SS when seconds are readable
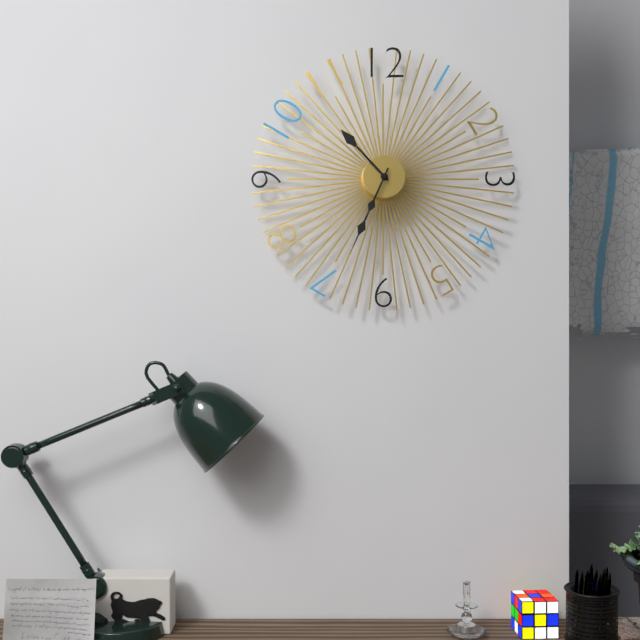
**10:34**
